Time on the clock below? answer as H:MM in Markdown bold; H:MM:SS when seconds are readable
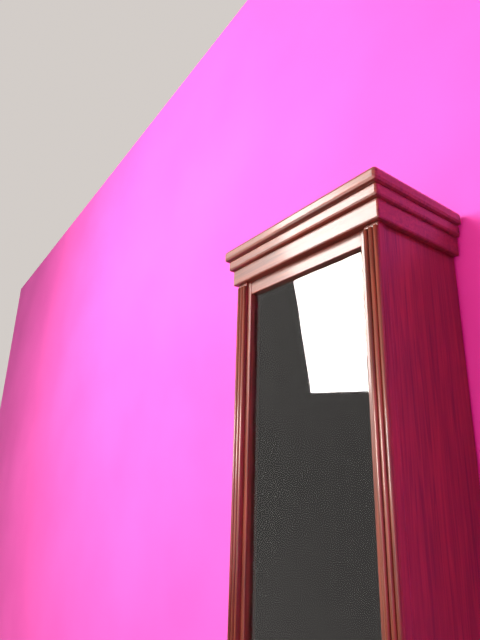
**6:01**
